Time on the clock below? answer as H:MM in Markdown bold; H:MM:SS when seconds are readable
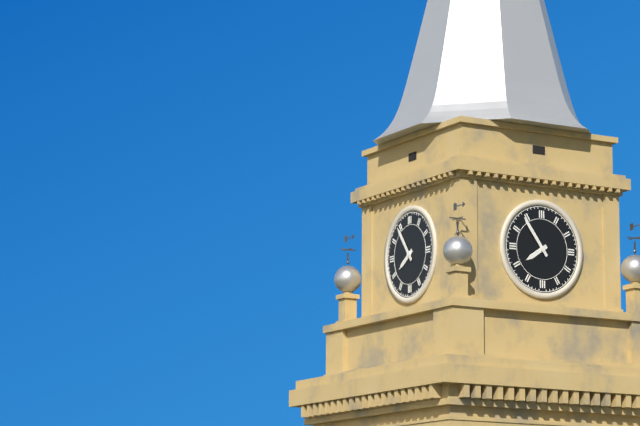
**7:54**
